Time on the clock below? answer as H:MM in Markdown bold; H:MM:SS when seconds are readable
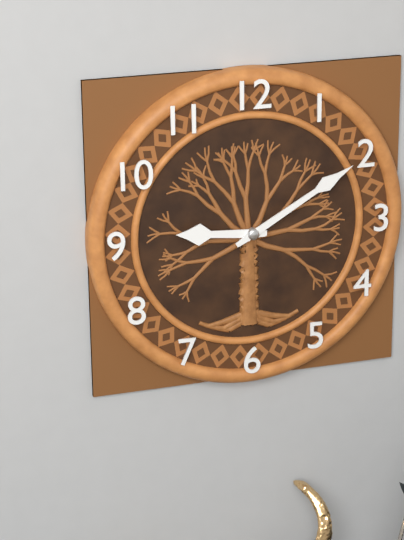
**9:10**
